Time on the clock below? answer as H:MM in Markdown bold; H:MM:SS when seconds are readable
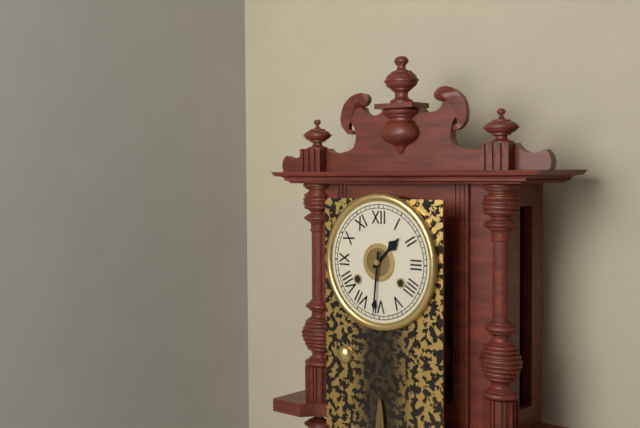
**1:31**
